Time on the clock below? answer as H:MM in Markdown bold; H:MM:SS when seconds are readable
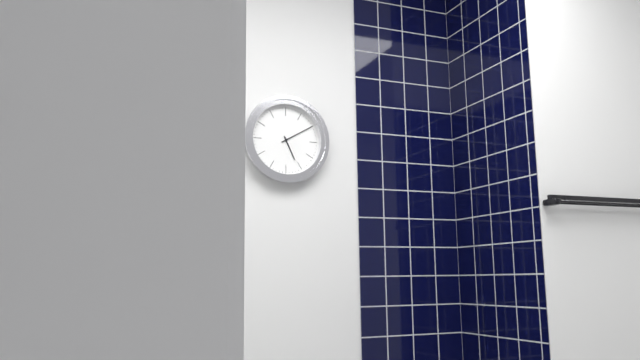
**5:10**
